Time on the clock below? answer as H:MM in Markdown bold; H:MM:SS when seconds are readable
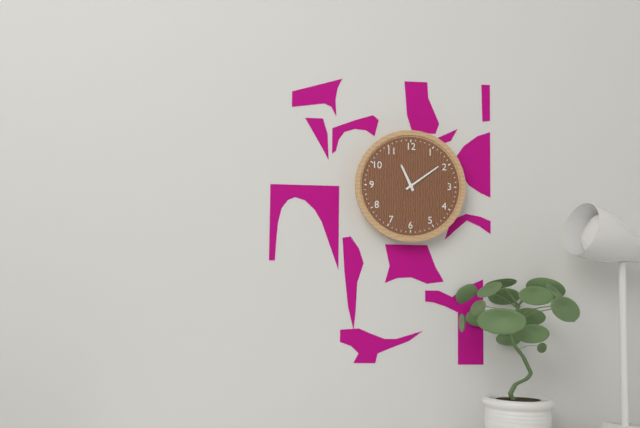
**11:09**
